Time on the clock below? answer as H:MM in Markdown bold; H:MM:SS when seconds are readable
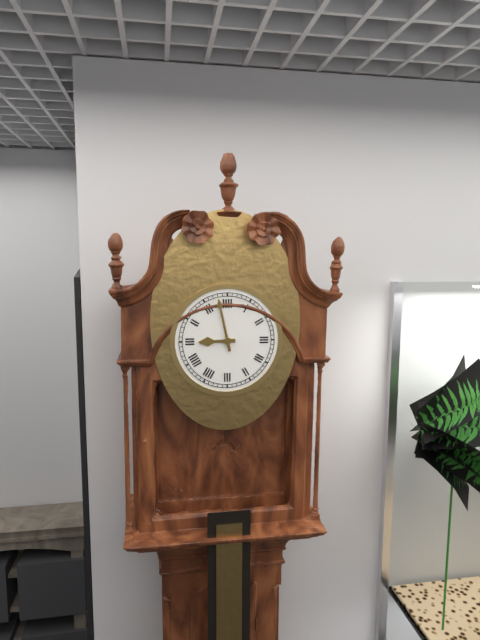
**8:58**
